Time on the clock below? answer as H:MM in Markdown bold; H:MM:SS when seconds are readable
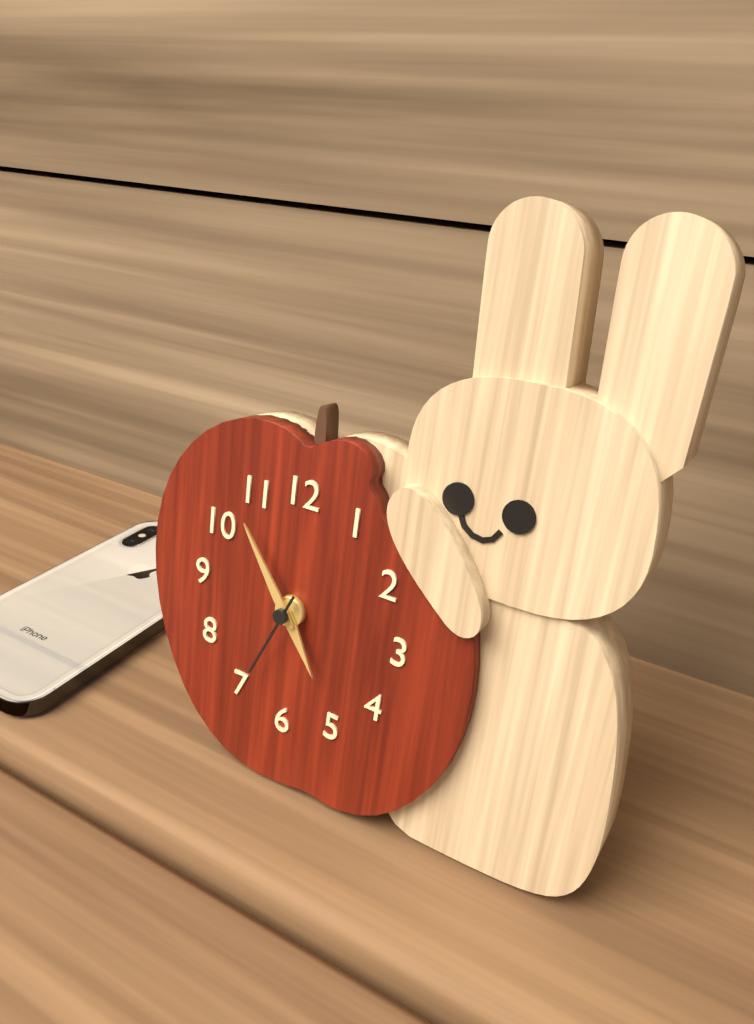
**4:54:34**
